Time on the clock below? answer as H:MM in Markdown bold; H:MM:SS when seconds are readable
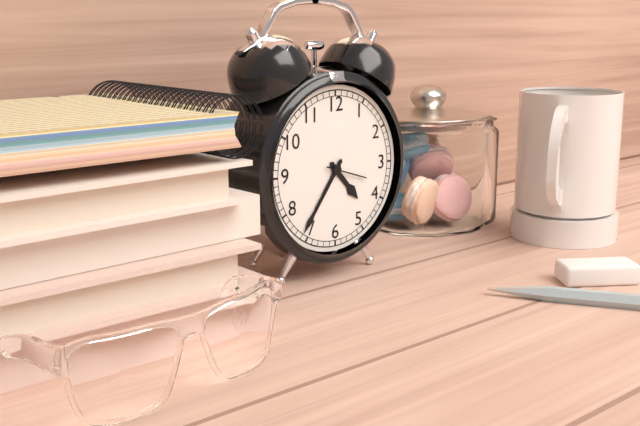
**4:36**
